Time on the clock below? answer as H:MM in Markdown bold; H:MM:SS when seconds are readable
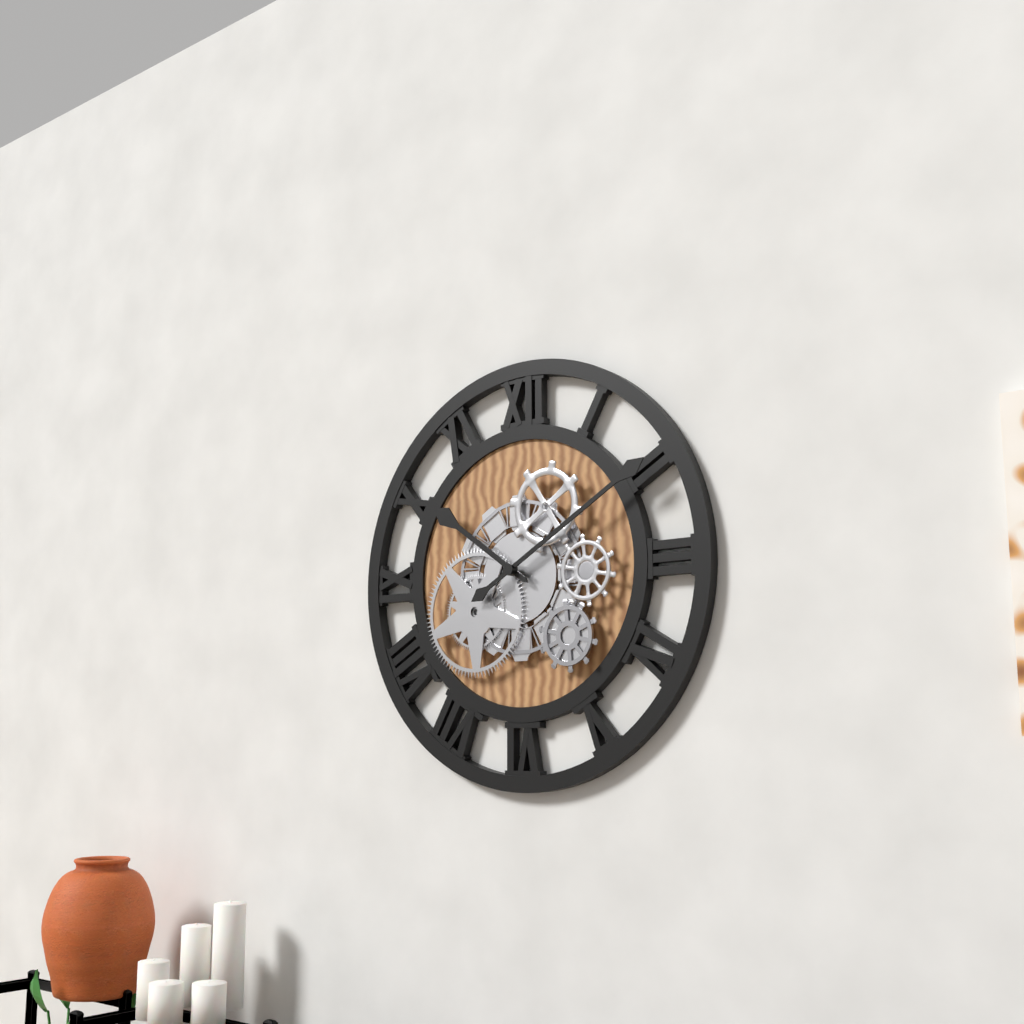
**10:10**
